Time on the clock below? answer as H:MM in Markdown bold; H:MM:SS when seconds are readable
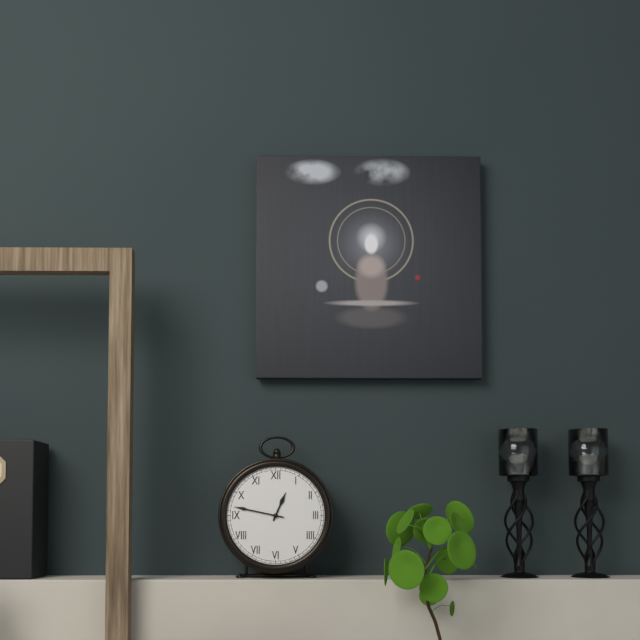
**12:47**
